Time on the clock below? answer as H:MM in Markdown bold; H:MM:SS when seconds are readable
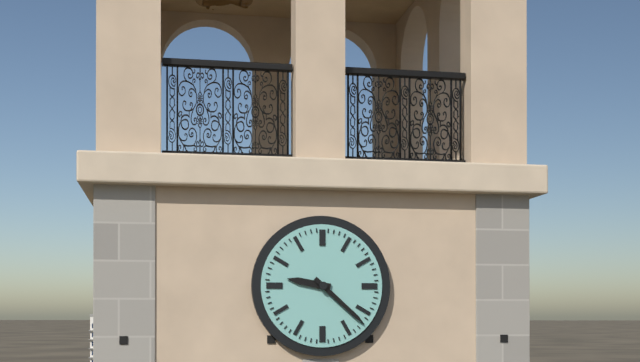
**9:22**
